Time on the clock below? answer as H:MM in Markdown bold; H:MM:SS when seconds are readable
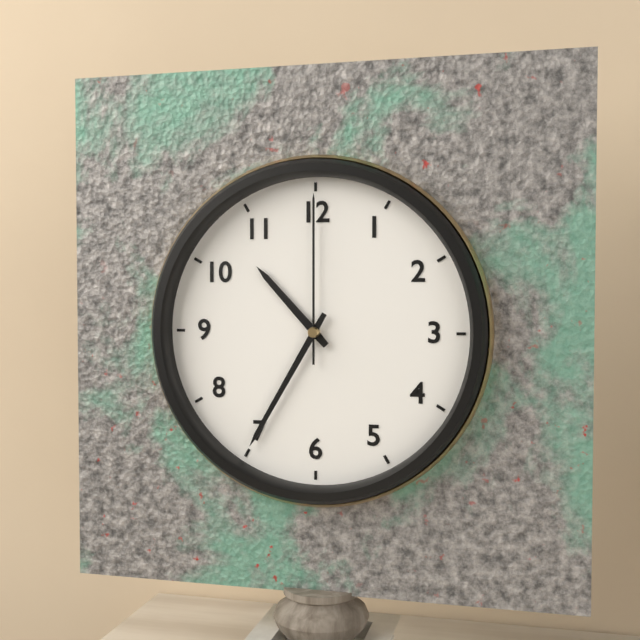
**10:35:00**
